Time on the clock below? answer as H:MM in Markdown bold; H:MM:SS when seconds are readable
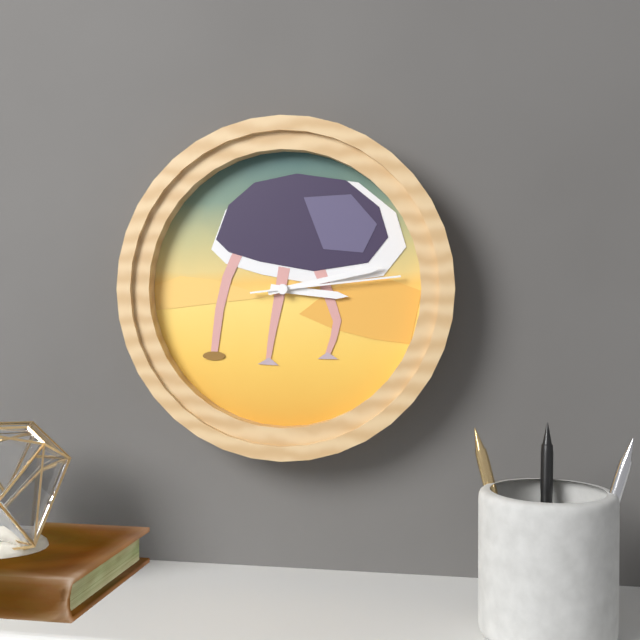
**3:13:14**
